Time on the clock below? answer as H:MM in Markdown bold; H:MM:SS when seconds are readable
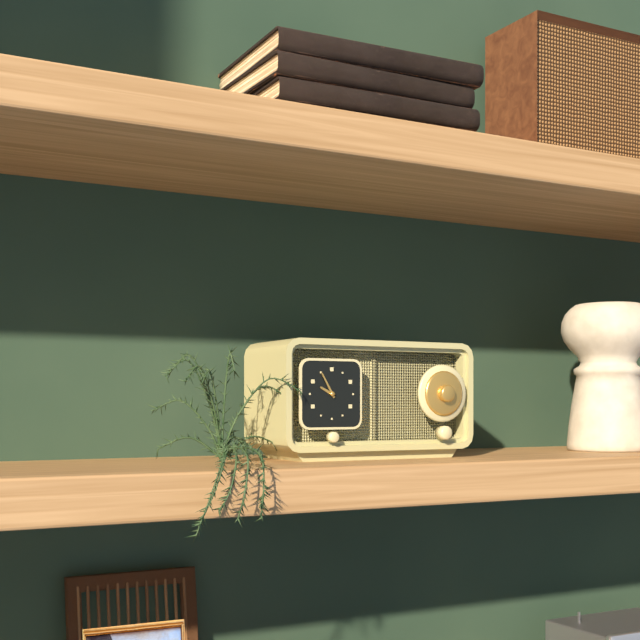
**9:55**
